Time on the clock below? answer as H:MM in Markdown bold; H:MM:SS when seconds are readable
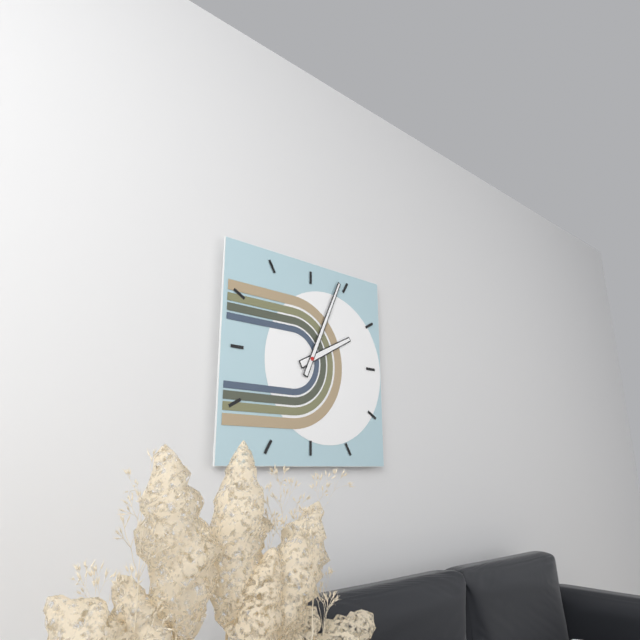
**2:04**
